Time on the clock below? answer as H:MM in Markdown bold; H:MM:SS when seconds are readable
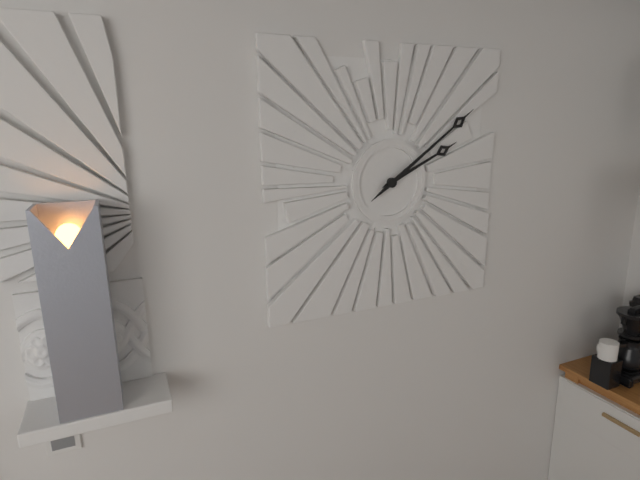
**2:09**
